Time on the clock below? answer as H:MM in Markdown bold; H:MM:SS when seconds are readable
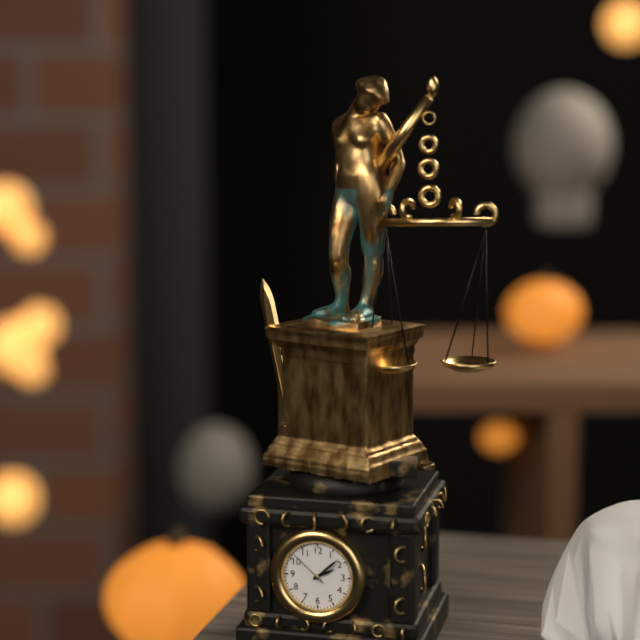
**2:08**
